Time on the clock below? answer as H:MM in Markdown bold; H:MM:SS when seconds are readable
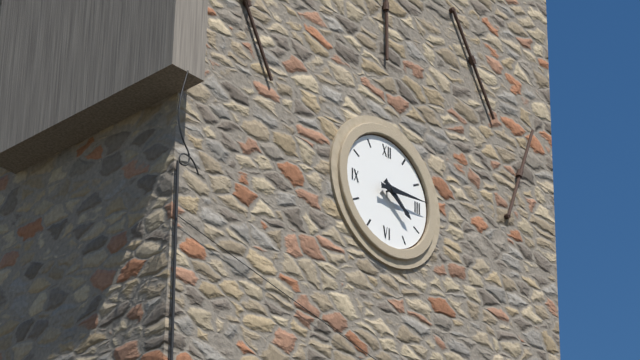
**4:14**
